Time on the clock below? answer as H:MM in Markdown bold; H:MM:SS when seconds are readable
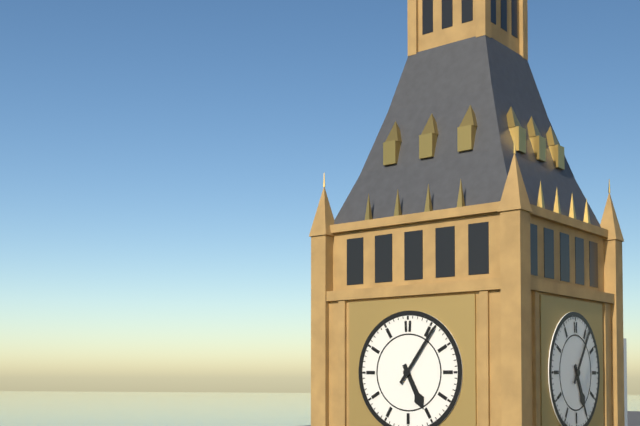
**5:06**
